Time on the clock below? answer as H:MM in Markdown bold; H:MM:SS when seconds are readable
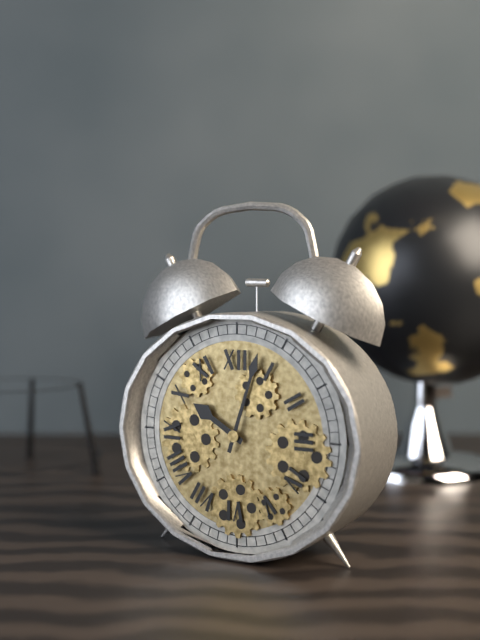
**10:03**
